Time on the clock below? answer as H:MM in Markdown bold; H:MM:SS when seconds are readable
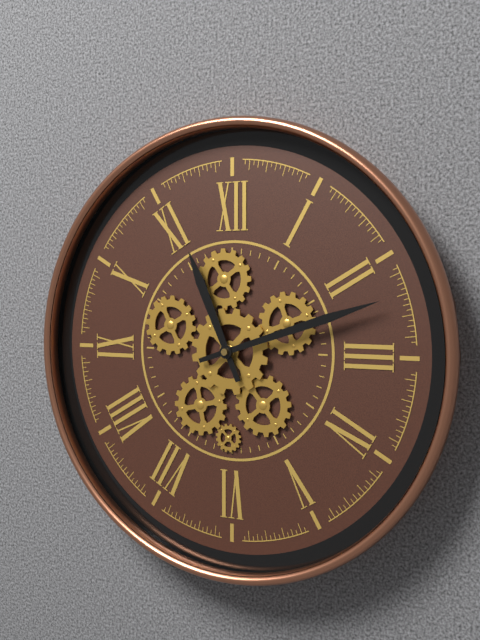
**11:12**
